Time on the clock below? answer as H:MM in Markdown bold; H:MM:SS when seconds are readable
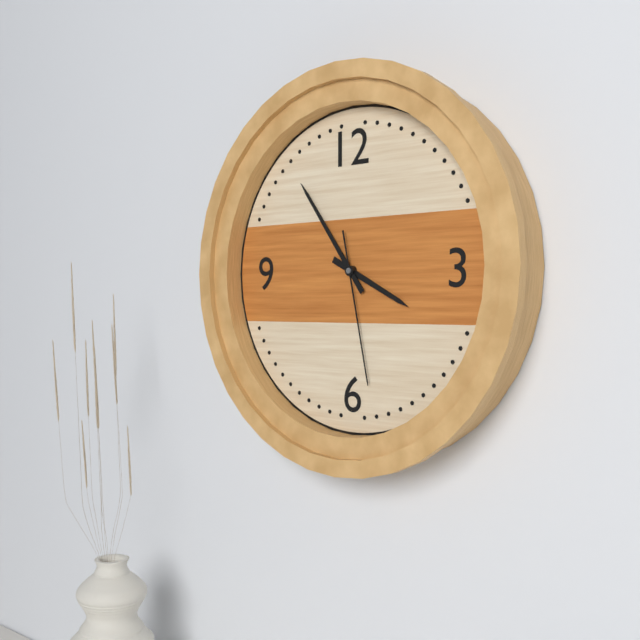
**3:54:28**
